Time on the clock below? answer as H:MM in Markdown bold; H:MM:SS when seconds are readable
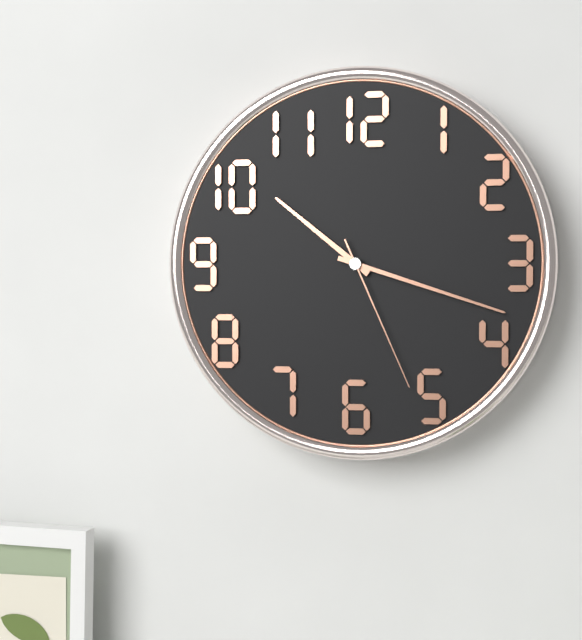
**10:18:26**
